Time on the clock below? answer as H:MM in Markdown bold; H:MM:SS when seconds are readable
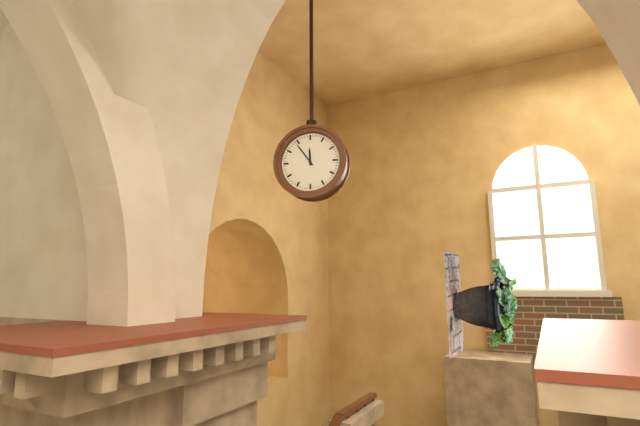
**11:54**
